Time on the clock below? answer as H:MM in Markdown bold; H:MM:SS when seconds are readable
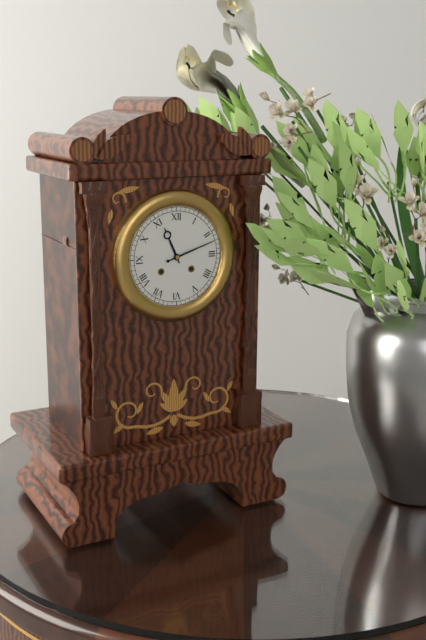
**11:12**
